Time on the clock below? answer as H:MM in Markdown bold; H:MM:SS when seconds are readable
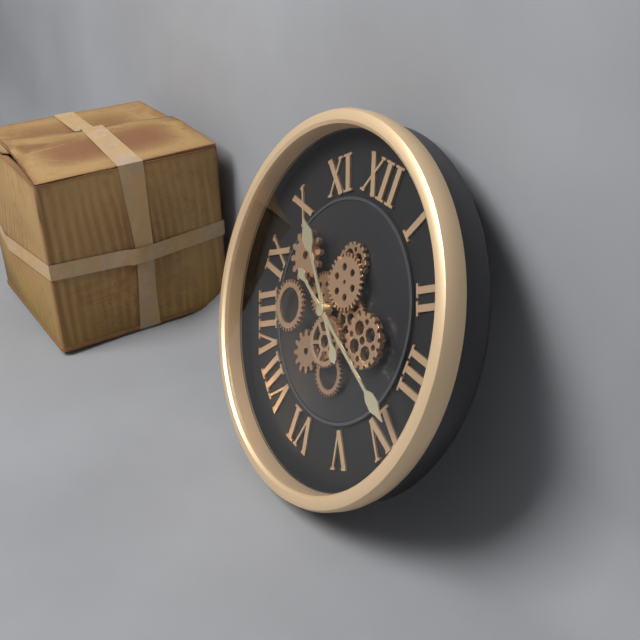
**10:18**
